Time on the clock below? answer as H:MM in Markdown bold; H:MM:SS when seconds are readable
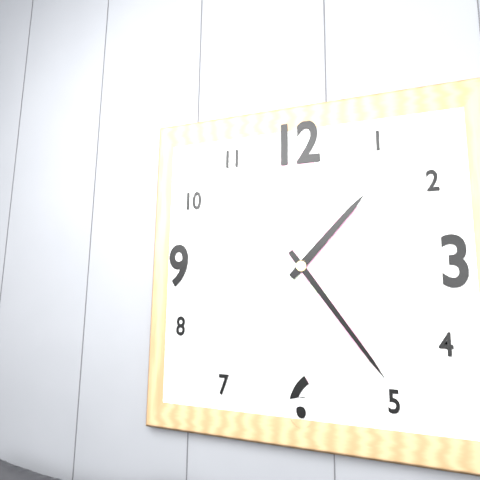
**1:24**
